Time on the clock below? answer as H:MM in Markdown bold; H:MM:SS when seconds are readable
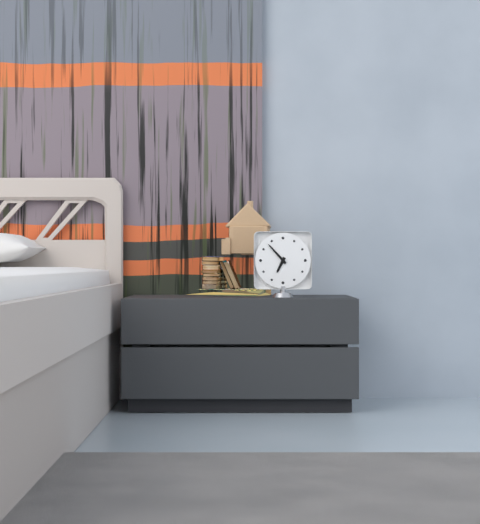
**6:53**
